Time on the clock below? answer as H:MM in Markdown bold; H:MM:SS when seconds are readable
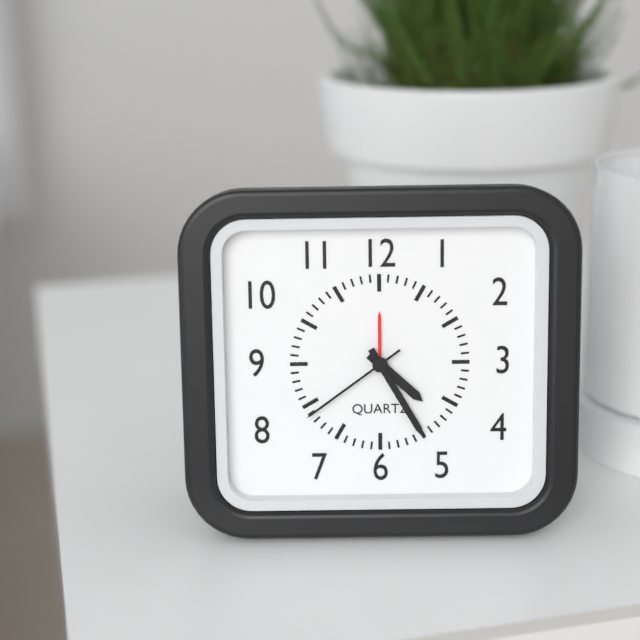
**4:25:39**
